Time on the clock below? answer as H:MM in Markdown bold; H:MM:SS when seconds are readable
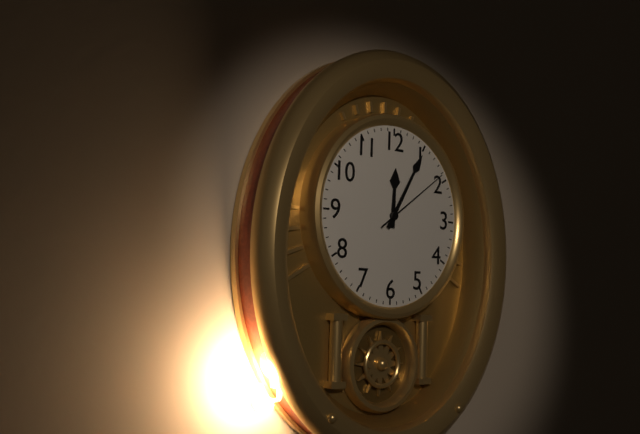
**12:05:09**
